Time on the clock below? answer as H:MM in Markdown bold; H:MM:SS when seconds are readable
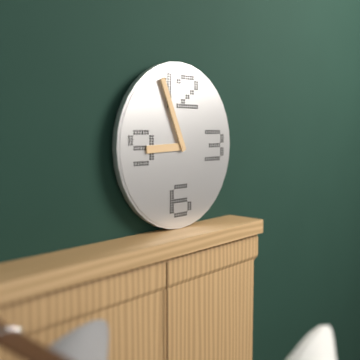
**8:56**
